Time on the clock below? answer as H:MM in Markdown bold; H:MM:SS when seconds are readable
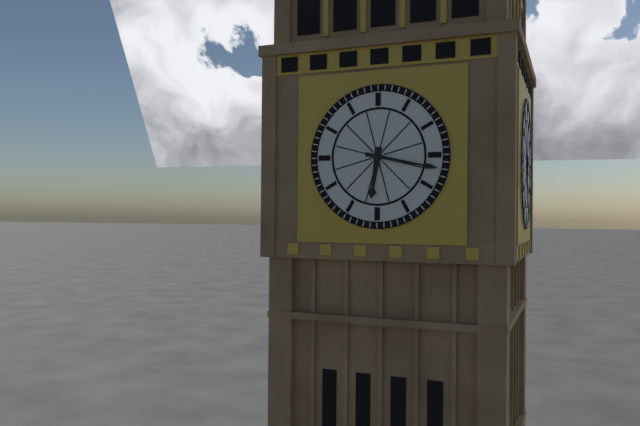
**6:17**
